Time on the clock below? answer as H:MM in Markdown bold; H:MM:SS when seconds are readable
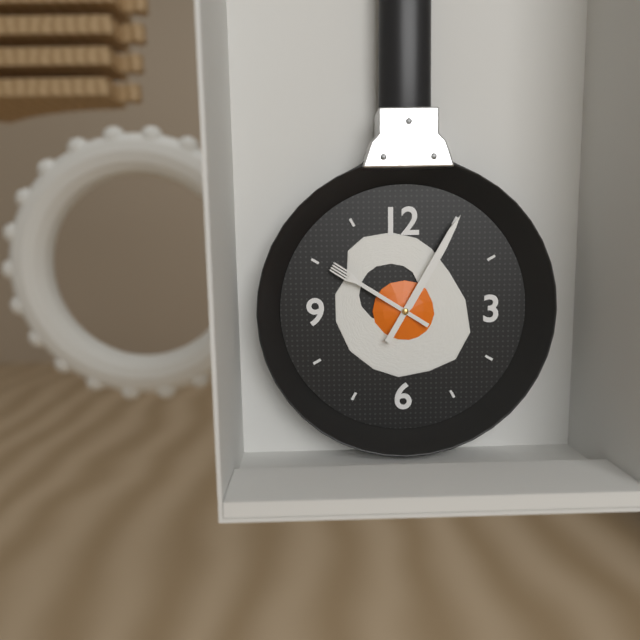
**10:05**
